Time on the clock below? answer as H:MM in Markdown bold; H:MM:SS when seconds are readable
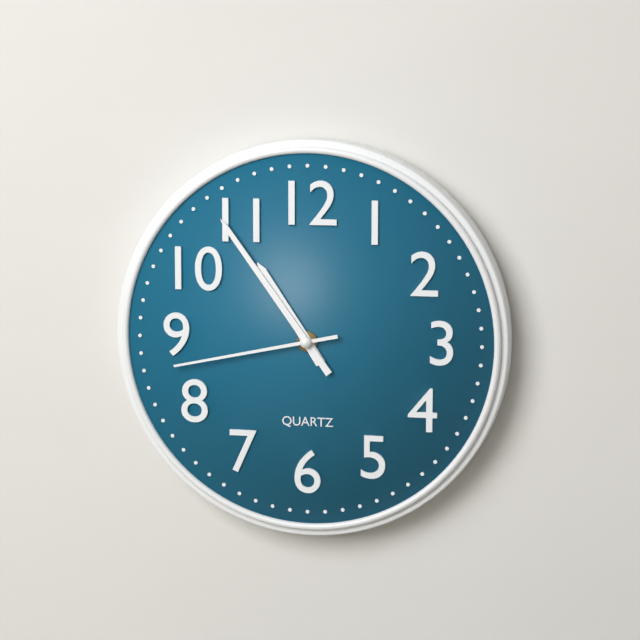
**10:54:43**
